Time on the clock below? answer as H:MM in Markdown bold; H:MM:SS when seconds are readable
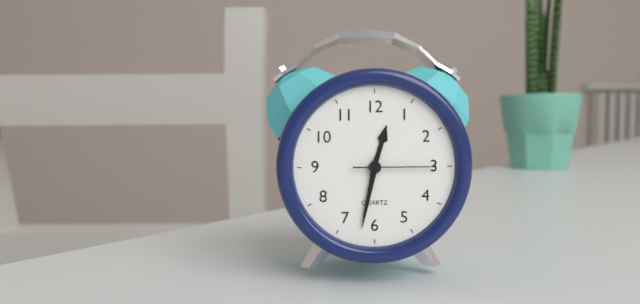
**12:32:15**
